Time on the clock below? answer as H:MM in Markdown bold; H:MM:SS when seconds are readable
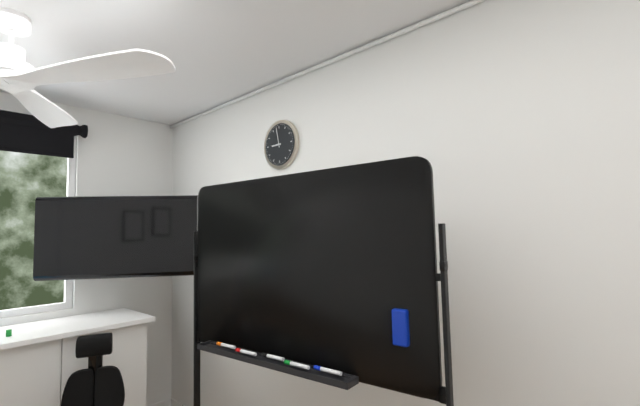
**8:58**
